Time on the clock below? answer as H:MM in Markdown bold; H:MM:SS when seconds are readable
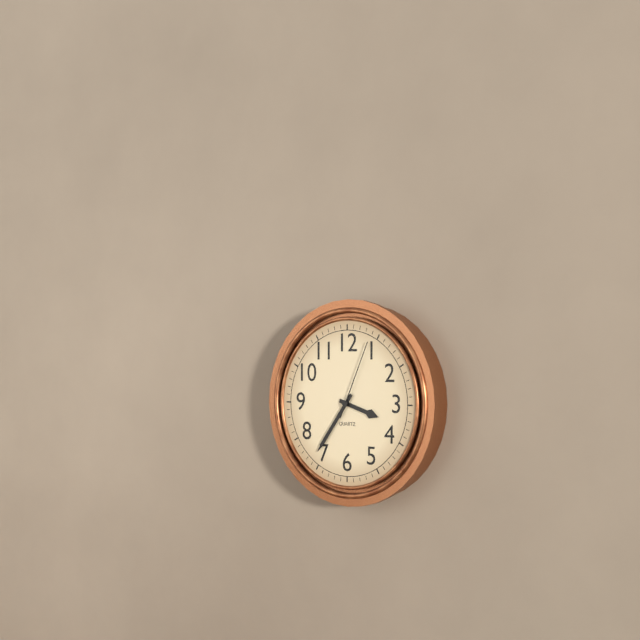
**3:36:04**
